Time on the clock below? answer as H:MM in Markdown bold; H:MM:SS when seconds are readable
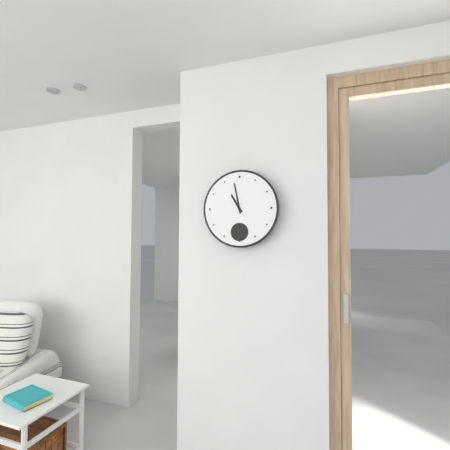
**10:58**
